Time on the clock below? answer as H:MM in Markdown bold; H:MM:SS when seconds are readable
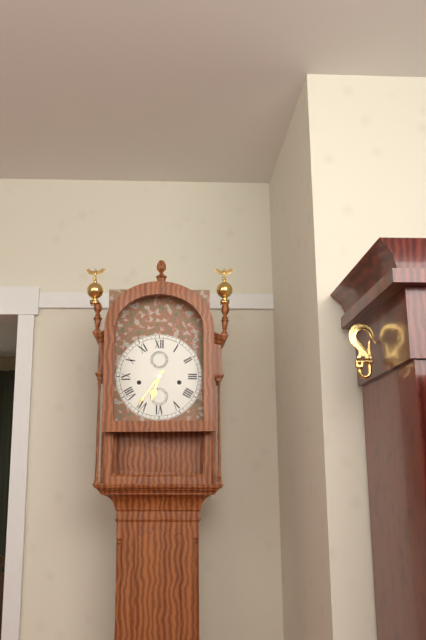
**6:36**
